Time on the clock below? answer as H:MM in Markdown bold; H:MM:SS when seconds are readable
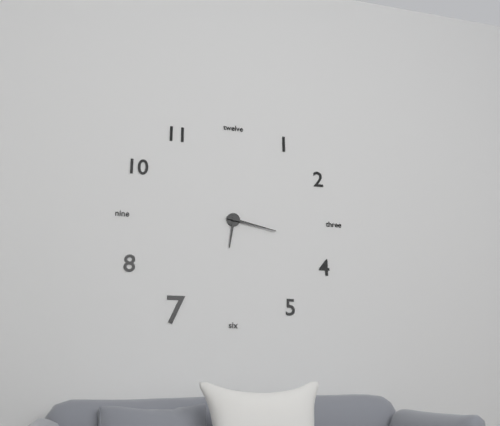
**6:17**
